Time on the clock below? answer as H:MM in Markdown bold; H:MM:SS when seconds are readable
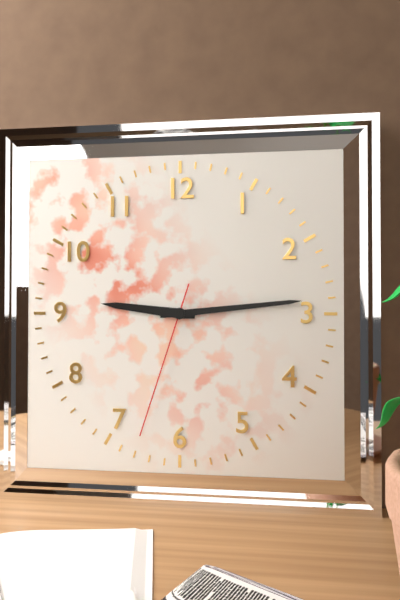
**9:14:33**
